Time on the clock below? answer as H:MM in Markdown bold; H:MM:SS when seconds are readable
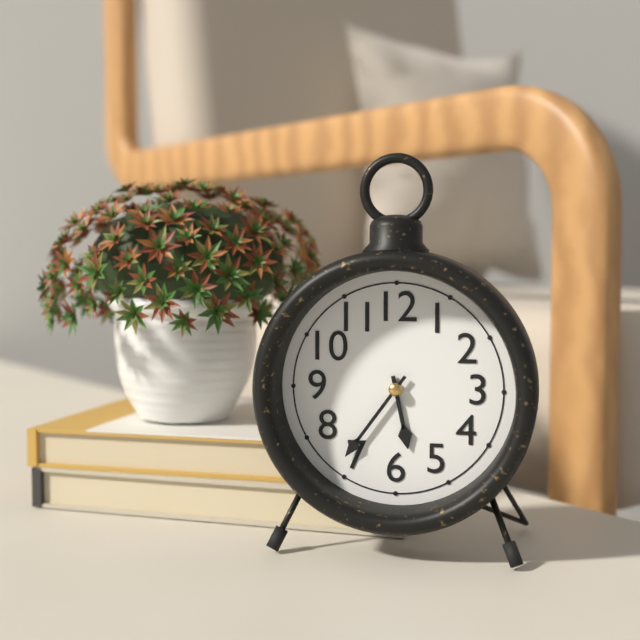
**5:36**
